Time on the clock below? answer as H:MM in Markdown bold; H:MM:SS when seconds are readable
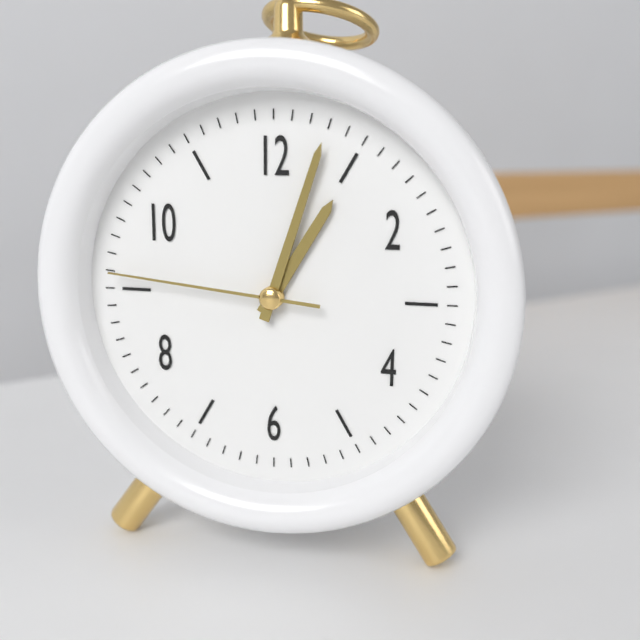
**1:03:46**
